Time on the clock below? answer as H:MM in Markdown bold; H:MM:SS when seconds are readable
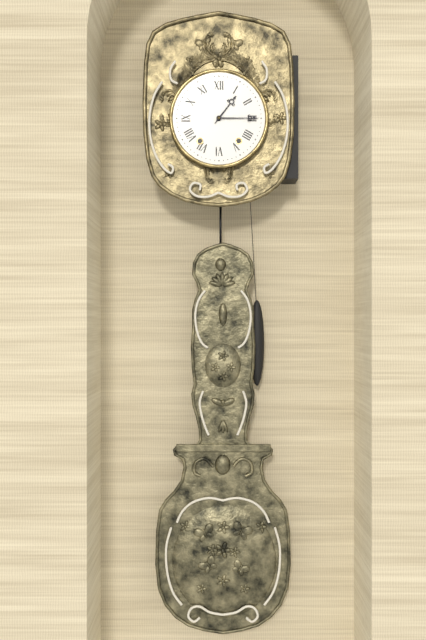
**1:15**
